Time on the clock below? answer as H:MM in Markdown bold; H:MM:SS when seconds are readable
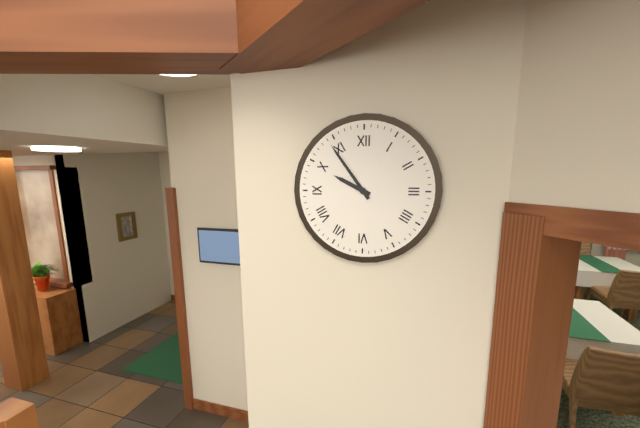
**9:54**
